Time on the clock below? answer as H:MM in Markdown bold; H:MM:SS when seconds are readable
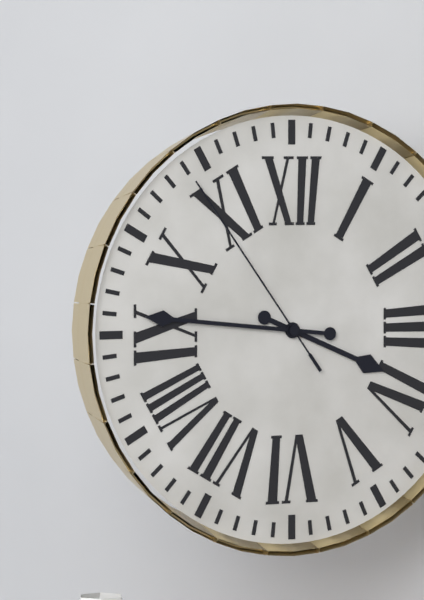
**3:46:54**
